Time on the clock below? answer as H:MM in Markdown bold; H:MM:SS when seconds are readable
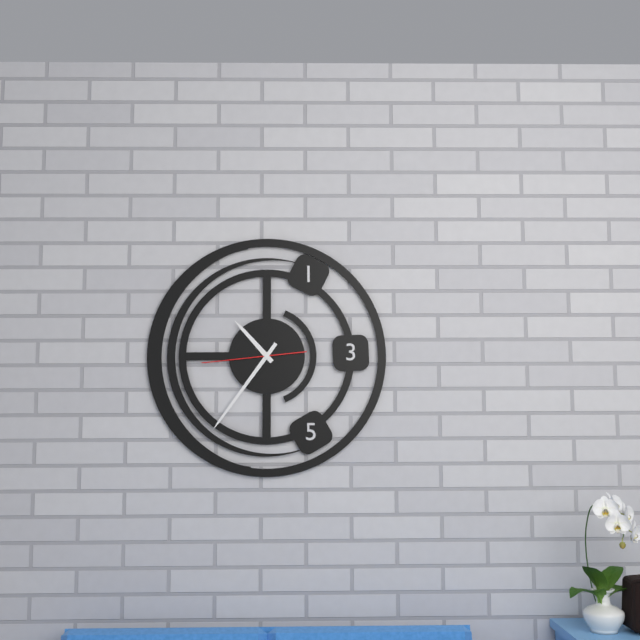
**10:36:44**
